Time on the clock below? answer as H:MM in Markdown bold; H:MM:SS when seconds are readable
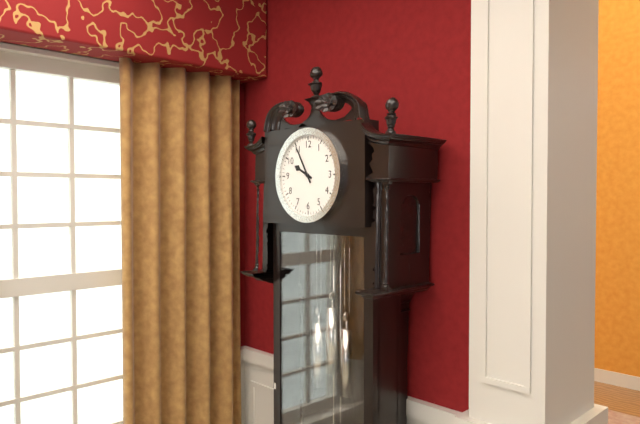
**9:55**
